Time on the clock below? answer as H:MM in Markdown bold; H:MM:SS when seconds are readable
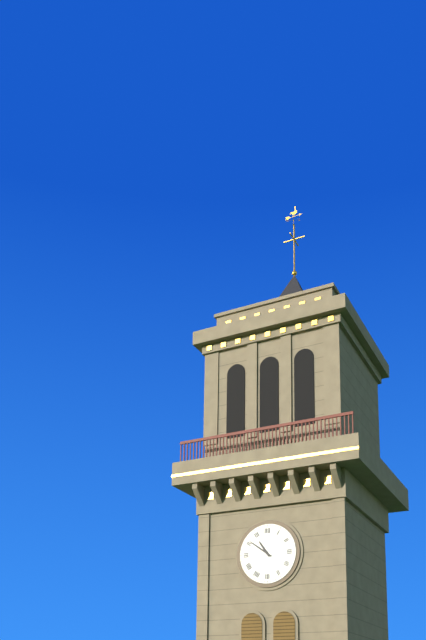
**10:51**
